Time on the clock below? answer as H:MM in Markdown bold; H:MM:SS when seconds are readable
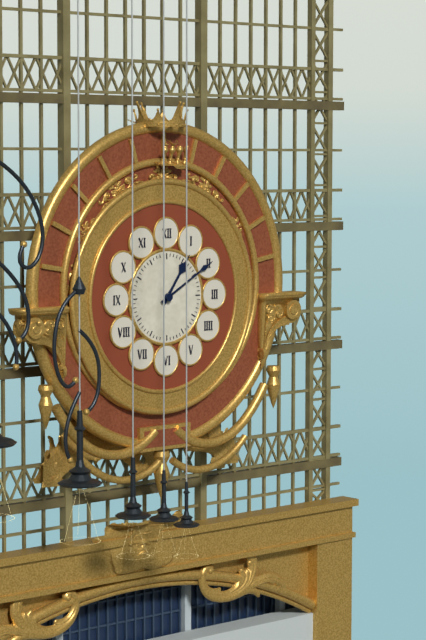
**1:10**
